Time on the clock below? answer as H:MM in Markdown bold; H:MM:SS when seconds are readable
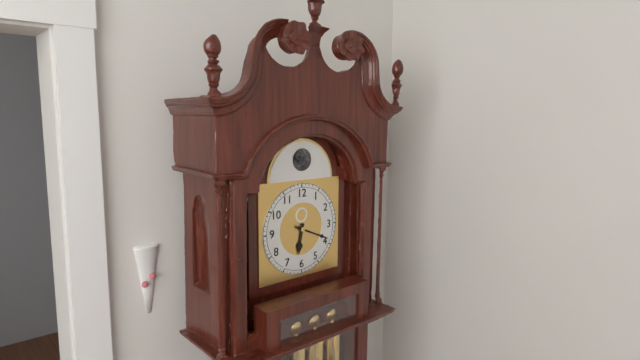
**6:19**
